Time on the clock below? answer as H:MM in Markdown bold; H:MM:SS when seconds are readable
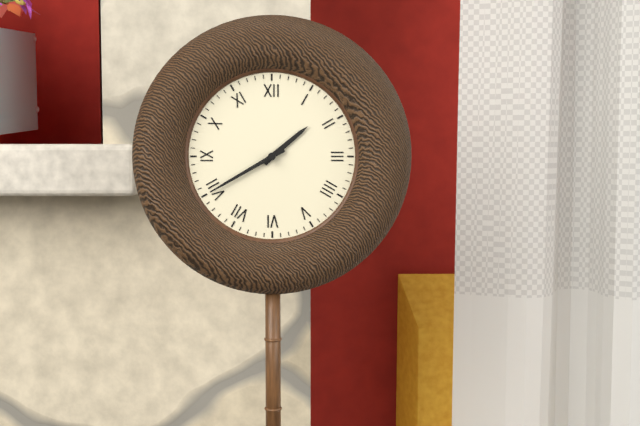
**1:40**
